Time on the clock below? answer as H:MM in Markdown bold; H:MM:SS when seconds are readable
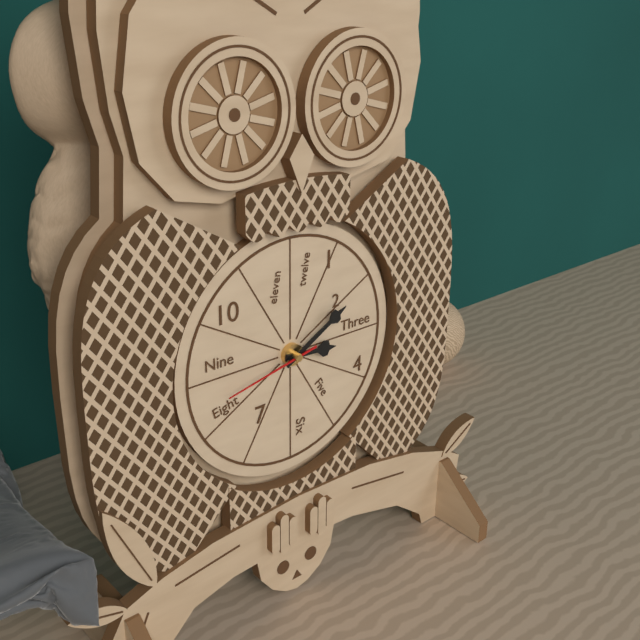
**3:10:43**
